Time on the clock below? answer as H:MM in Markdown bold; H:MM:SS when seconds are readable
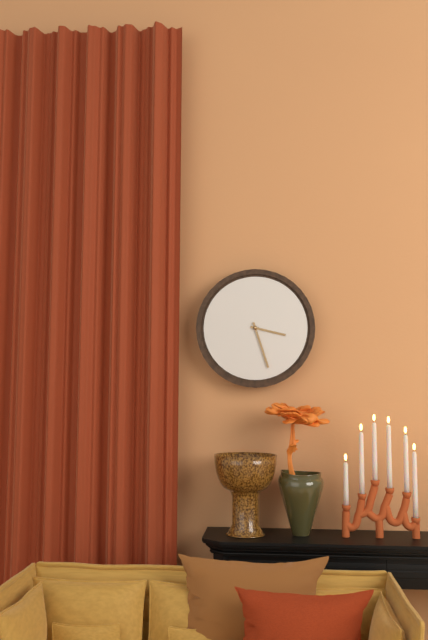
**3:27**
